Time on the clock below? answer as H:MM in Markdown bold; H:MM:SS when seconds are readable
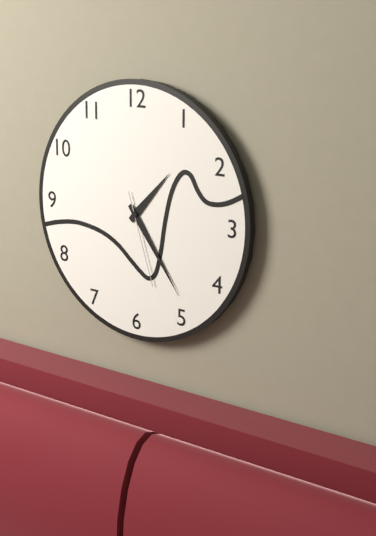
**1:24:27**
